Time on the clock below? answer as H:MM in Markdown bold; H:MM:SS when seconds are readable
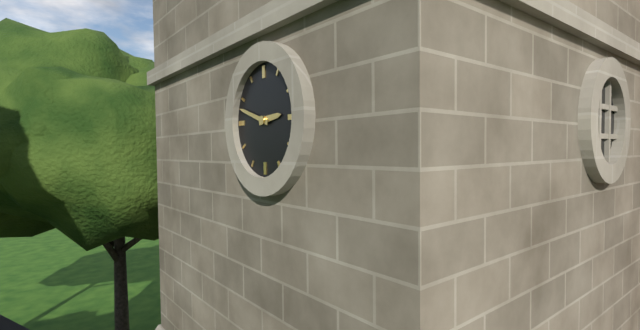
**2:48**
